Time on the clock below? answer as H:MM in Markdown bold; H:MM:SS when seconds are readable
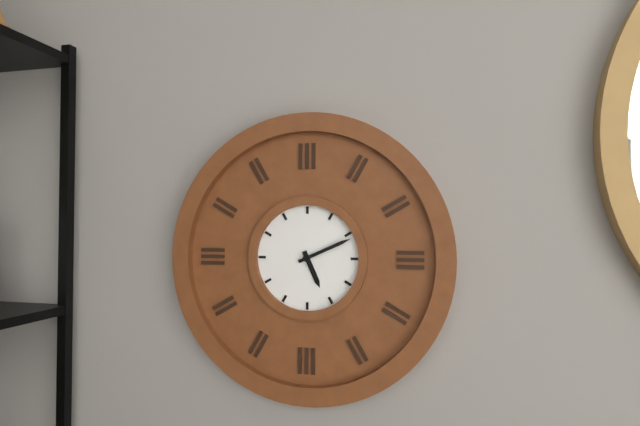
**5:11**
